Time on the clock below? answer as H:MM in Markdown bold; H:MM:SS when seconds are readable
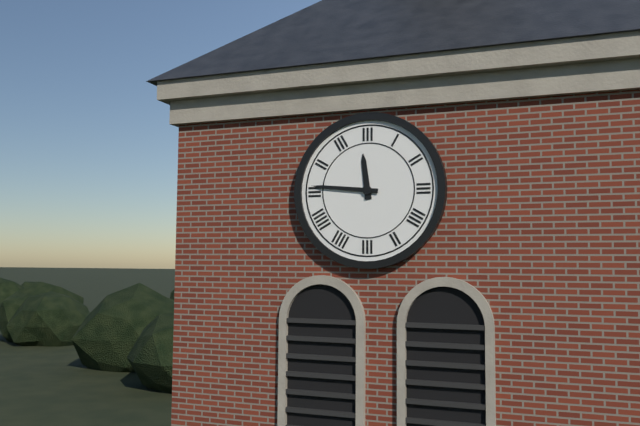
**11:46**
